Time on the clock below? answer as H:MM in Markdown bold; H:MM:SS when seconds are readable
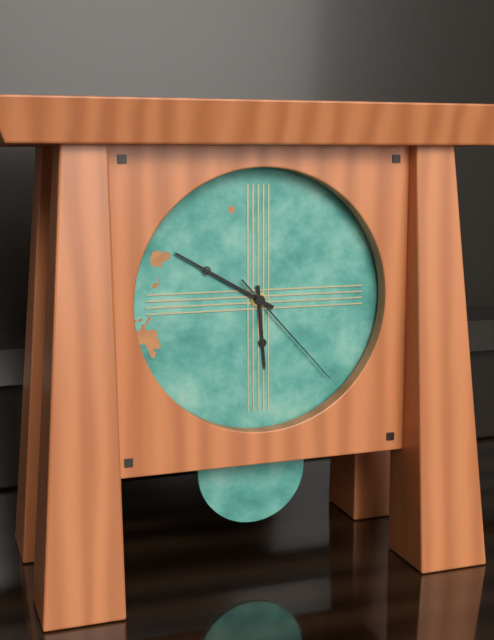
**5:50:23**
